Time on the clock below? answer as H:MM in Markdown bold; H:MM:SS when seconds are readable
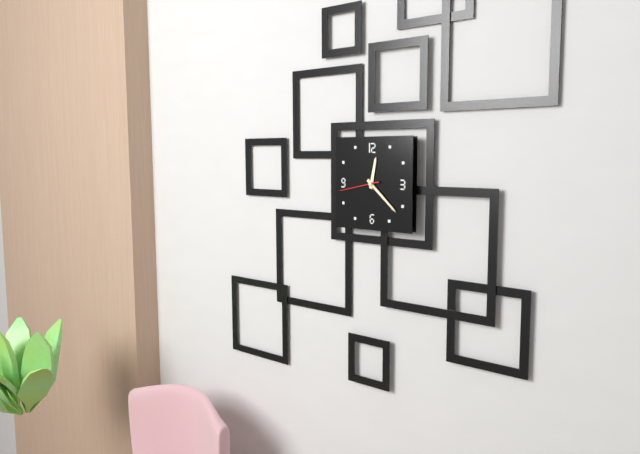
**12:22**
